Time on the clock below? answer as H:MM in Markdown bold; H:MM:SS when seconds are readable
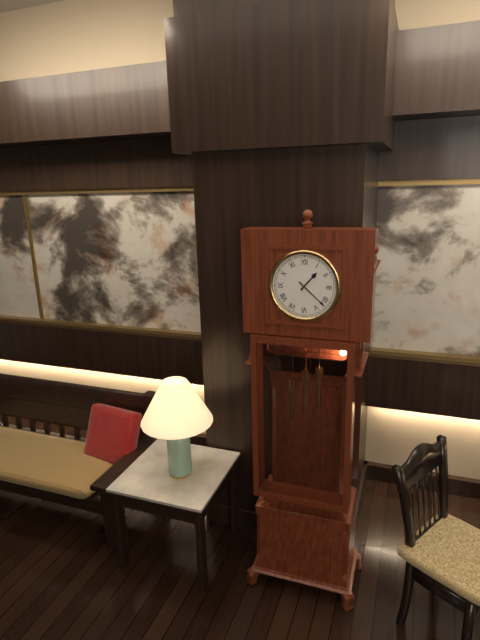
**1:22**
